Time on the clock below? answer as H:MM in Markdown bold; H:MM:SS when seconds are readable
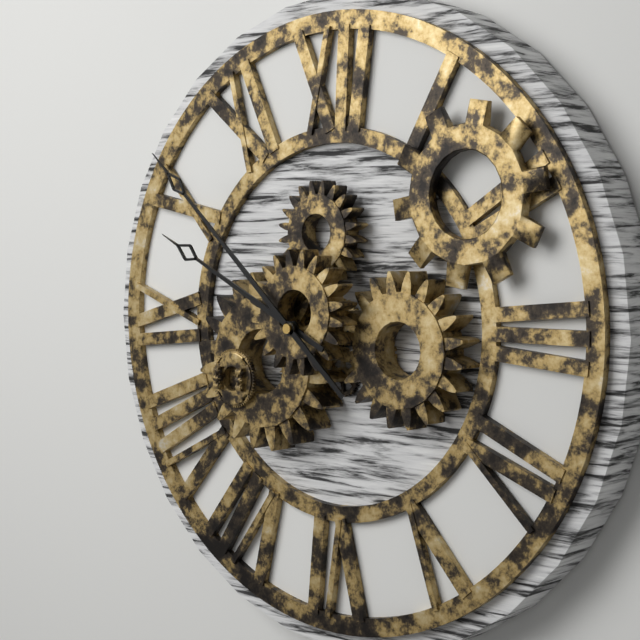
**9:52**
